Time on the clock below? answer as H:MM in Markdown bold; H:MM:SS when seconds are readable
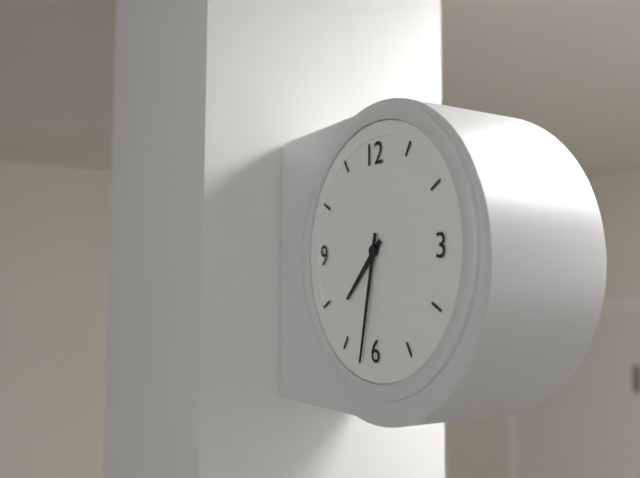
**7:32**
